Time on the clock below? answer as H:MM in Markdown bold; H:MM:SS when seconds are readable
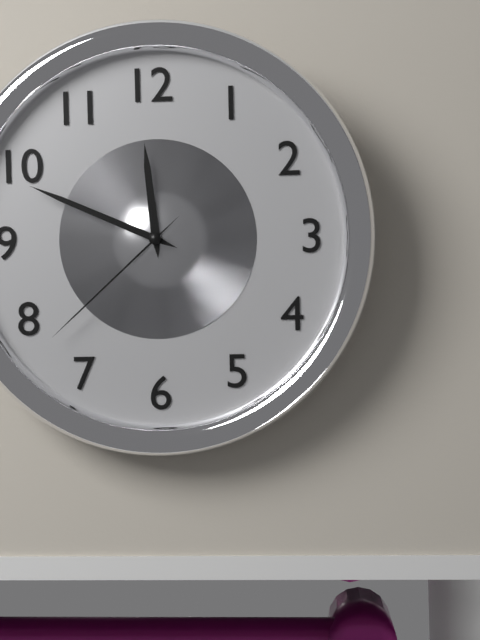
**11:49:38**
